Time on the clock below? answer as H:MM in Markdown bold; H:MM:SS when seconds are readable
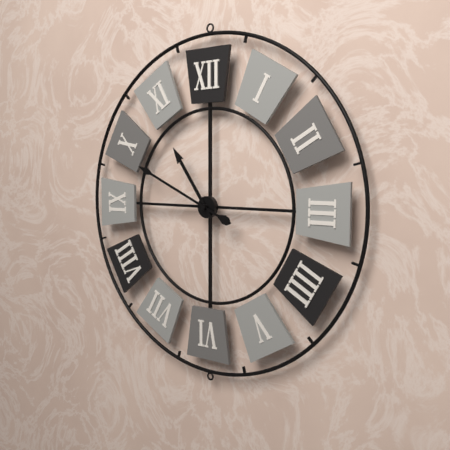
**10:49**
